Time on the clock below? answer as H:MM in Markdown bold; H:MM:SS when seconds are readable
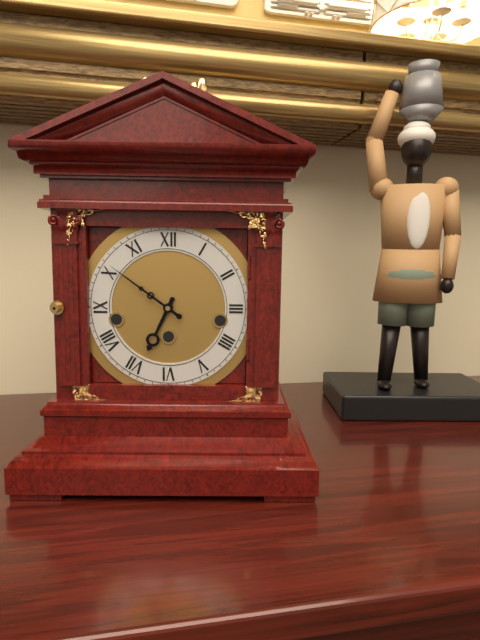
**6:51**
